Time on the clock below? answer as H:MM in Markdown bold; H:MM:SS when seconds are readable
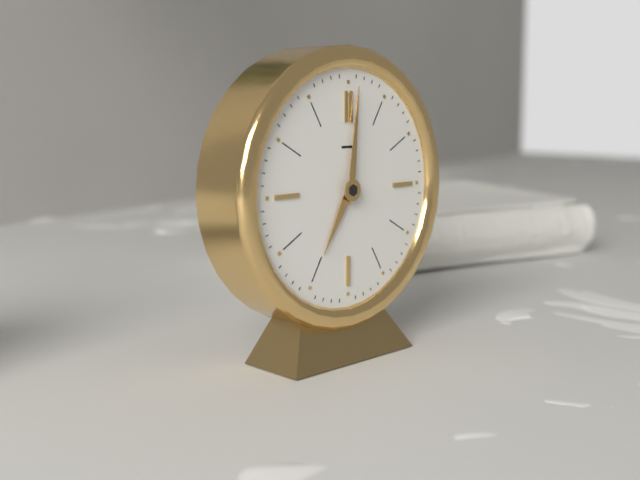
**7:01**
